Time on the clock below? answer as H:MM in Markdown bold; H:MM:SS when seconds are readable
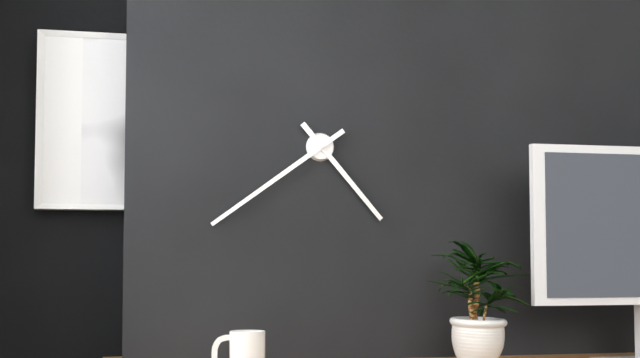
**4:39**
